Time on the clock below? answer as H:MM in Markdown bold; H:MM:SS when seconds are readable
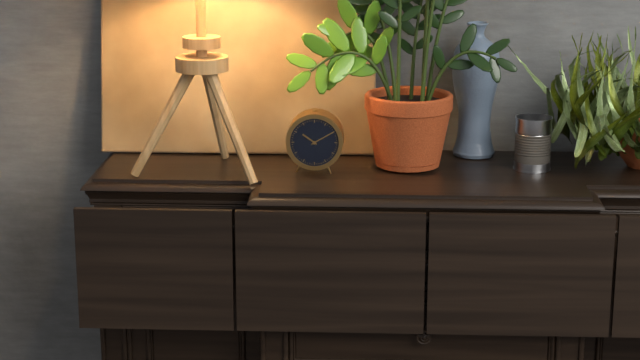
**10:10**
